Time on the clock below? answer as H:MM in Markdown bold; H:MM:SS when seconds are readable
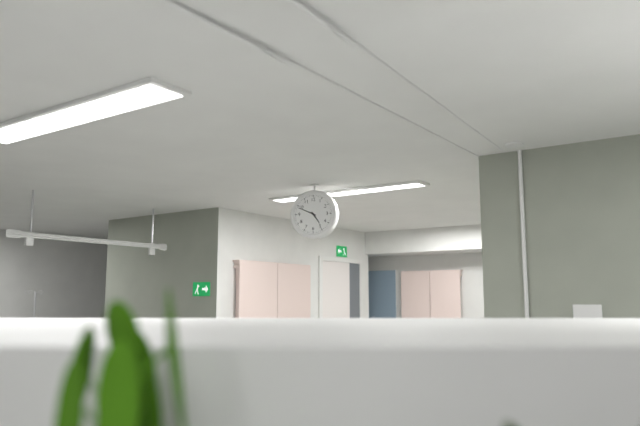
**4:49**
